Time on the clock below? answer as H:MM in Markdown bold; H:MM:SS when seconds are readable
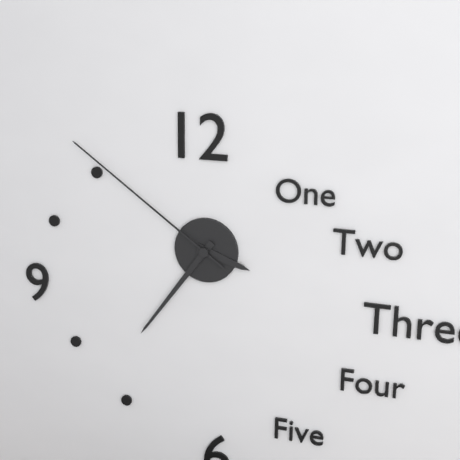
**3:36:51**
